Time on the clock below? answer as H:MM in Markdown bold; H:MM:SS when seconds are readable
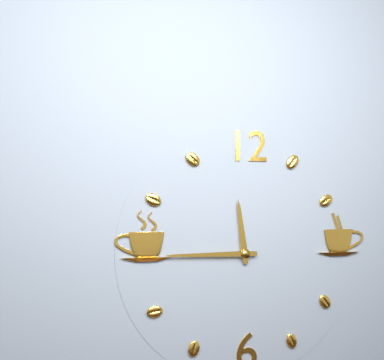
**11:45**
